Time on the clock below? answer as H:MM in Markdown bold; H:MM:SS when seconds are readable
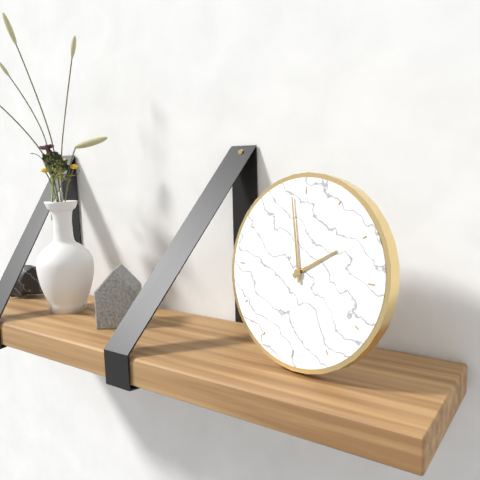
**1:58**
